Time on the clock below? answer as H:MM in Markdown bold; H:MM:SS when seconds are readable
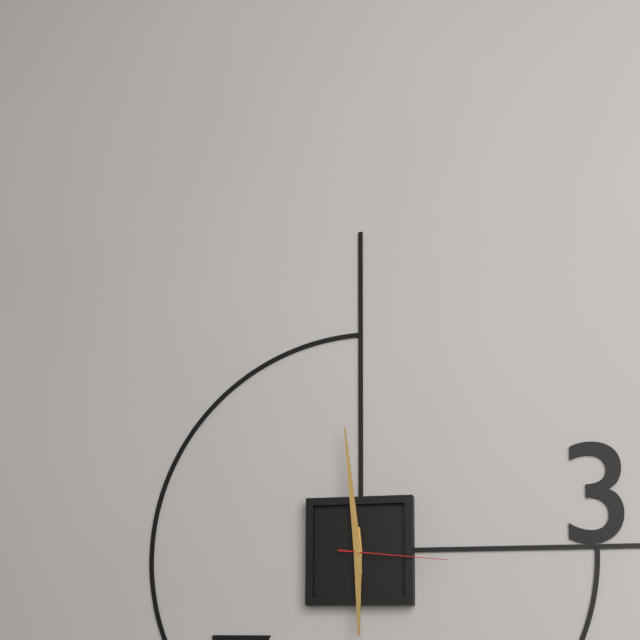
**5:59:16**
